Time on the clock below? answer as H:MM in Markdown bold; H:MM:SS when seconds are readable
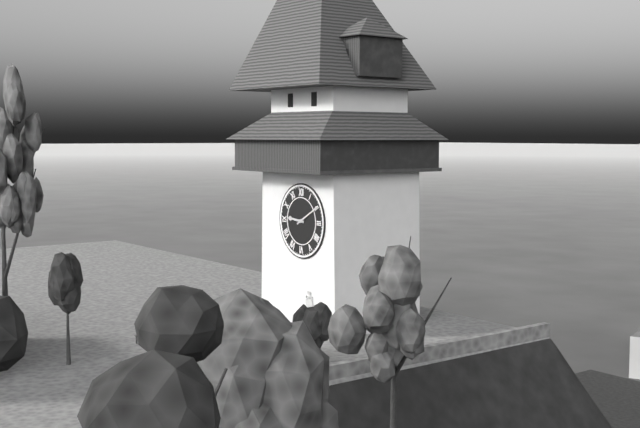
**9:10**
